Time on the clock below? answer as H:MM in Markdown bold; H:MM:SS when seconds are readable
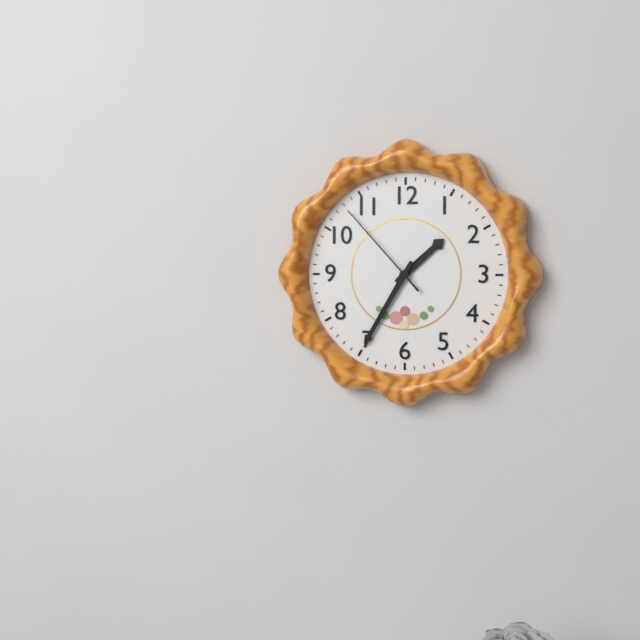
**1:35:53**
